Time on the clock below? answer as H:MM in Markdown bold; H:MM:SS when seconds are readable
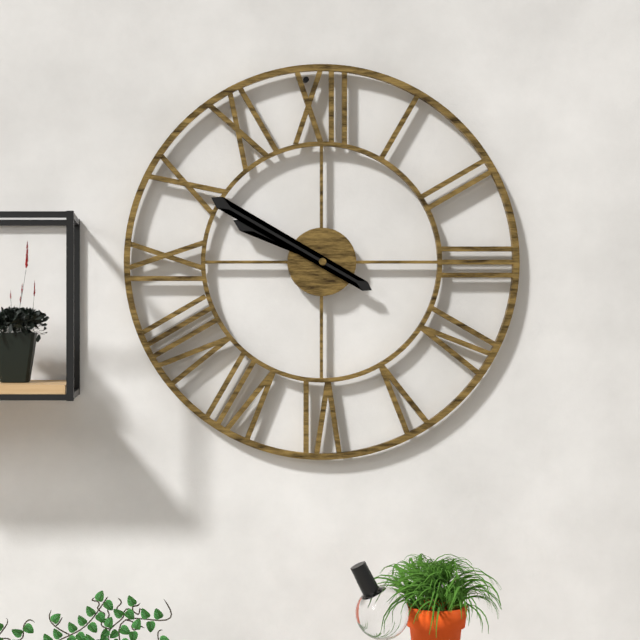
**9:50**
